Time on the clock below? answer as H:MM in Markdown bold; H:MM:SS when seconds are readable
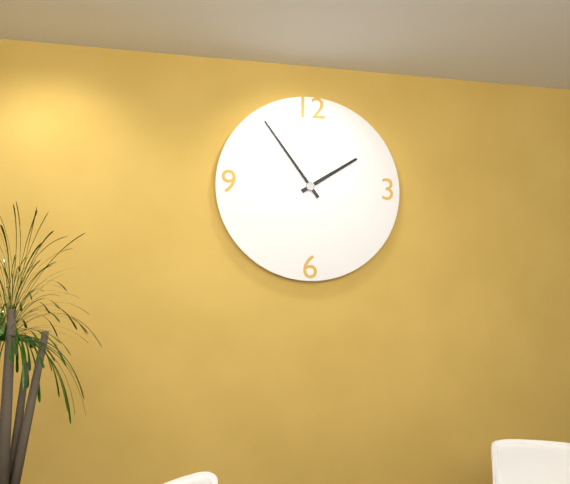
**1:54**
